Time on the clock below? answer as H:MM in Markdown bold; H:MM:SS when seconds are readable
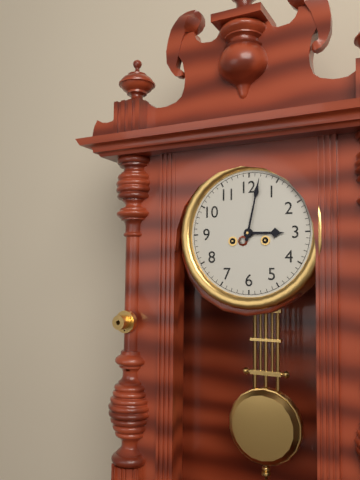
**3:02**
